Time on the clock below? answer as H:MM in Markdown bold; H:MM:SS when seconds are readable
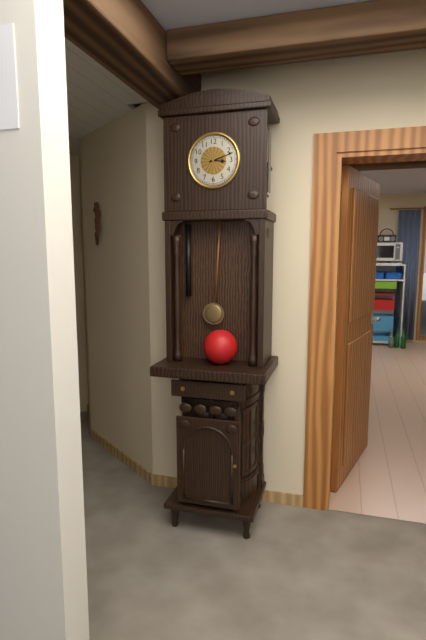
**3:12**
